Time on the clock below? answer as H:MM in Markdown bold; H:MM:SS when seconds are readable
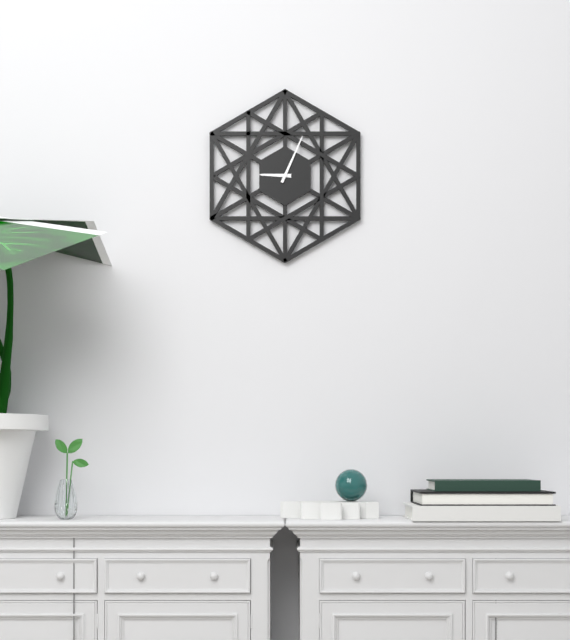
**9:04**
